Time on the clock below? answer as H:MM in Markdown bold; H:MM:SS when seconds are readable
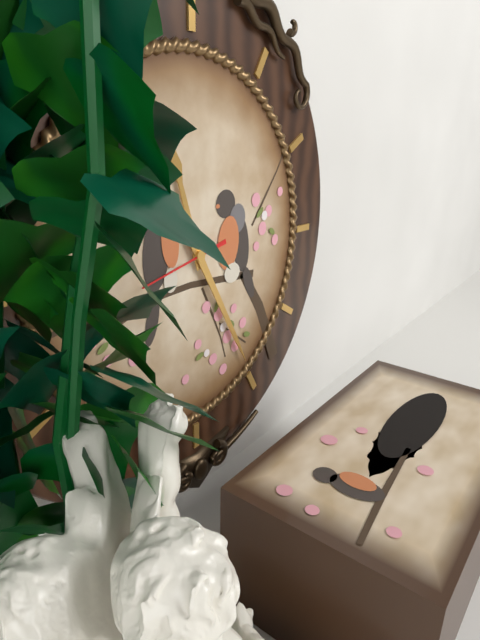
**11:25:43**
